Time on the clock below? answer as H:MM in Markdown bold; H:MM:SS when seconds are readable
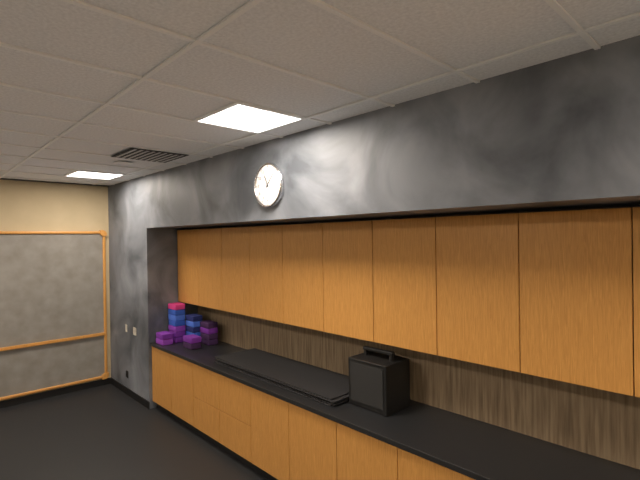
**11:07**
